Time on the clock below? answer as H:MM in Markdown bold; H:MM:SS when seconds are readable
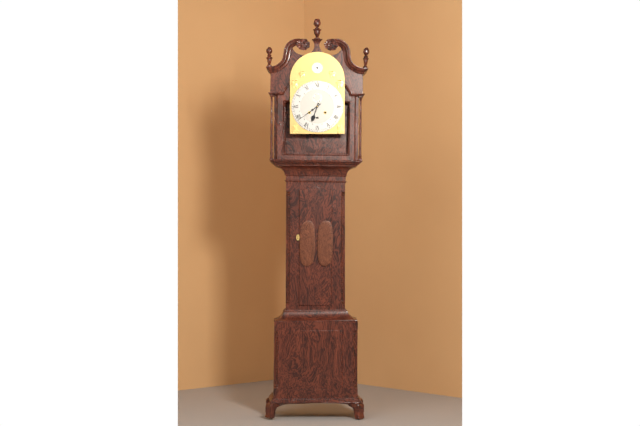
**6:39**
